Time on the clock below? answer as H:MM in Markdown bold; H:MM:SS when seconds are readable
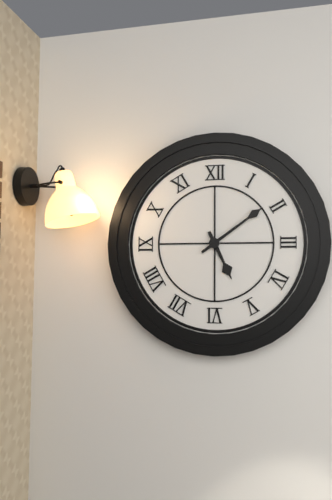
**5:09**
